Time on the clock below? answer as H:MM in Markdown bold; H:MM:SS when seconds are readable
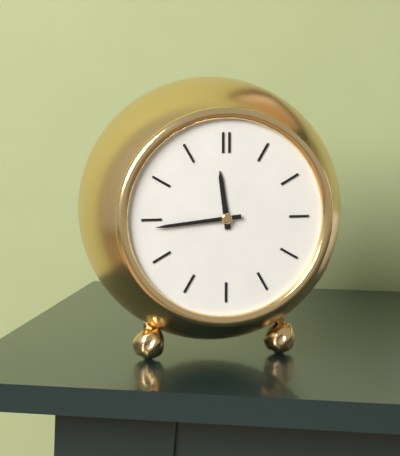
**11:44**
